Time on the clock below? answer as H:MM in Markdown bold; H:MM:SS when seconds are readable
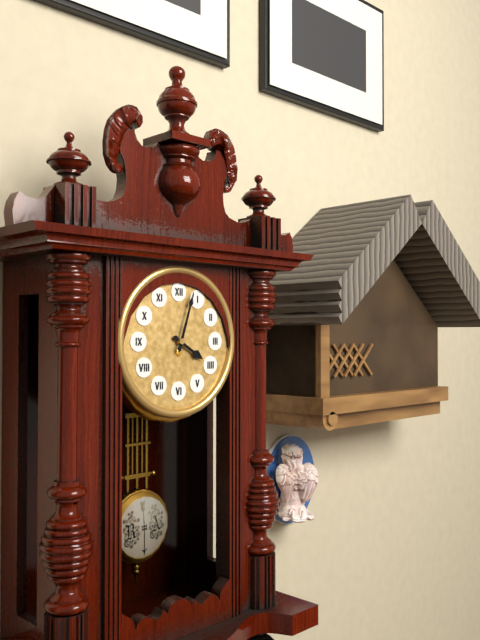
**4:03**
